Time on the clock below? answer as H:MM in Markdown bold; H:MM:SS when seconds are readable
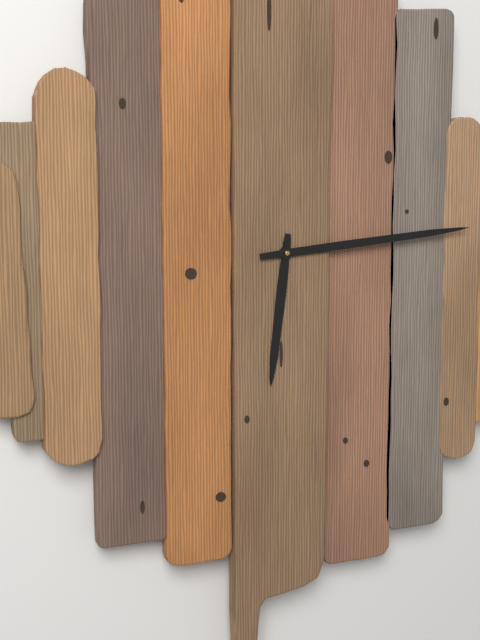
**6:14**
